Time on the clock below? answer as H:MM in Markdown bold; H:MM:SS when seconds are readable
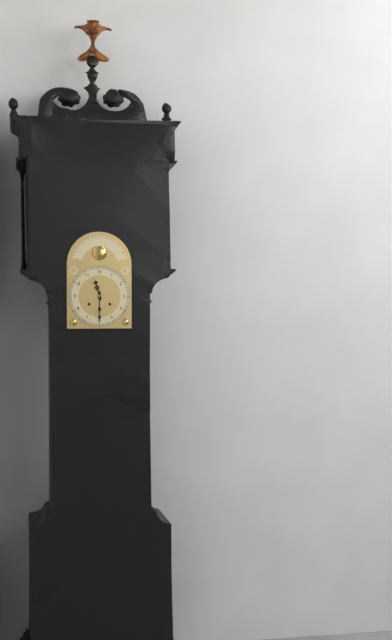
**11:30**
